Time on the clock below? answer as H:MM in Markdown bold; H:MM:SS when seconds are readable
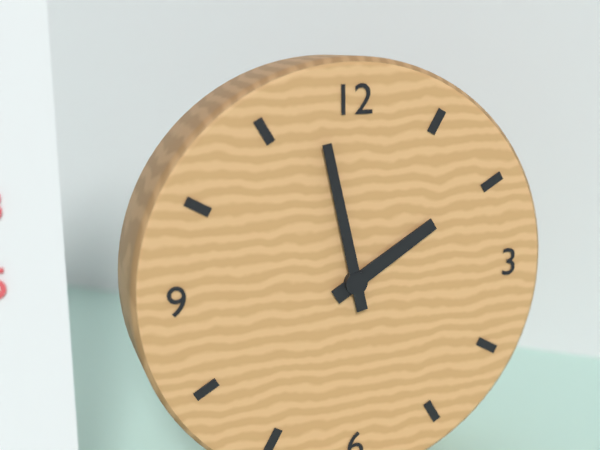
**1:58**
